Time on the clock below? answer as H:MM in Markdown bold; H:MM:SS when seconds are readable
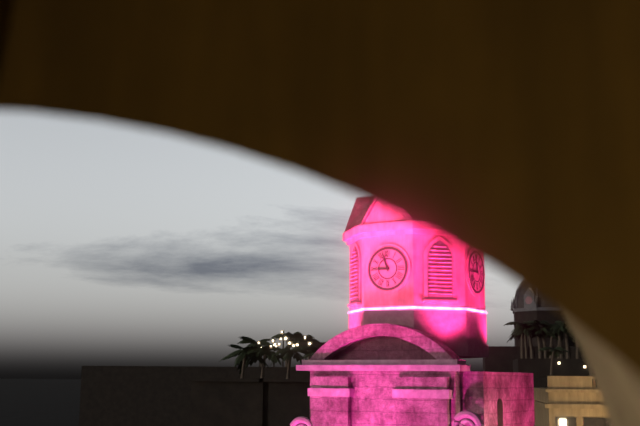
**8:57**
